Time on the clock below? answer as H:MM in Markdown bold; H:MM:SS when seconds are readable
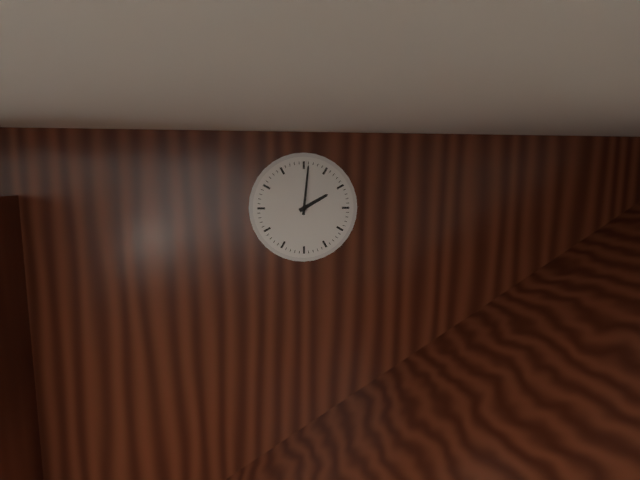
**2:01**
